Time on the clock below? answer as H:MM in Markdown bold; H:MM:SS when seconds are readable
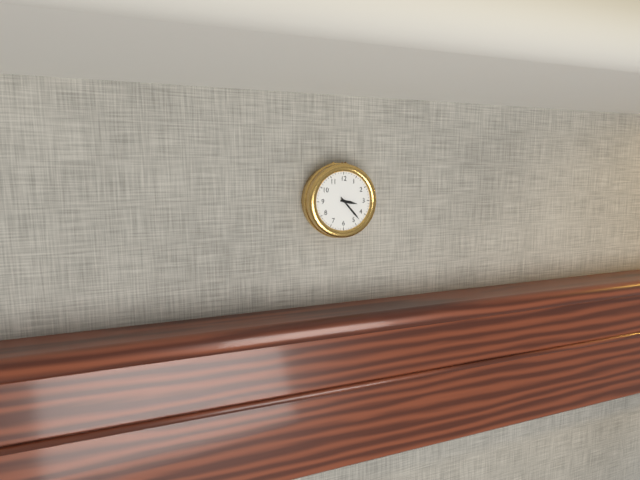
**3:23**
